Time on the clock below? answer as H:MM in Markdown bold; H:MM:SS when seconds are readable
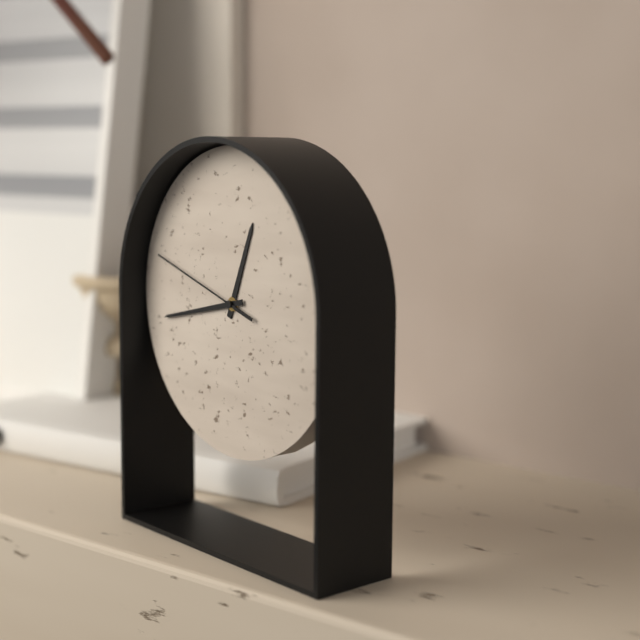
**12:43:48**
